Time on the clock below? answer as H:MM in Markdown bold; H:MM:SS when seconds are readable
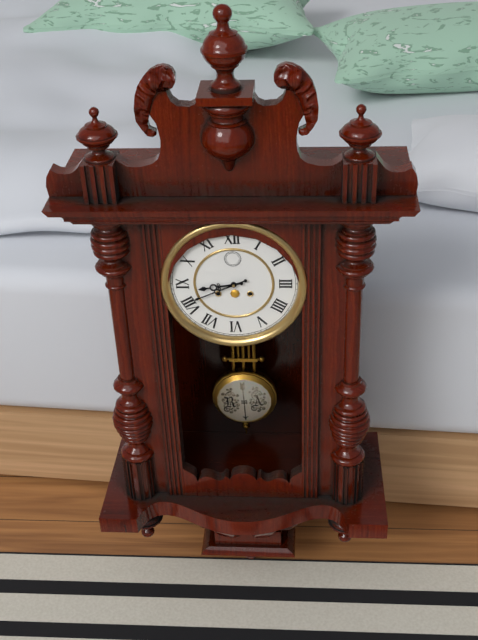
**8:41**
